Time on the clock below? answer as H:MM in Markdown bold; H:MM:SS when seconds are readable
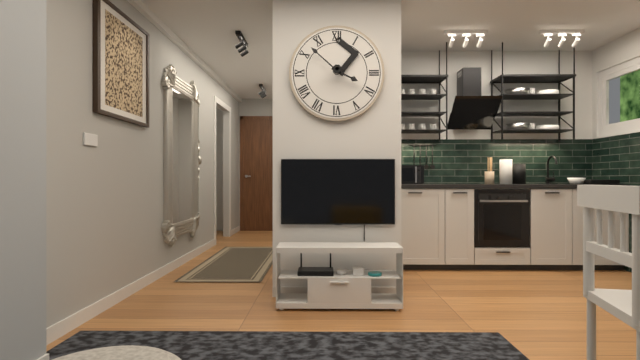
**3:52**
